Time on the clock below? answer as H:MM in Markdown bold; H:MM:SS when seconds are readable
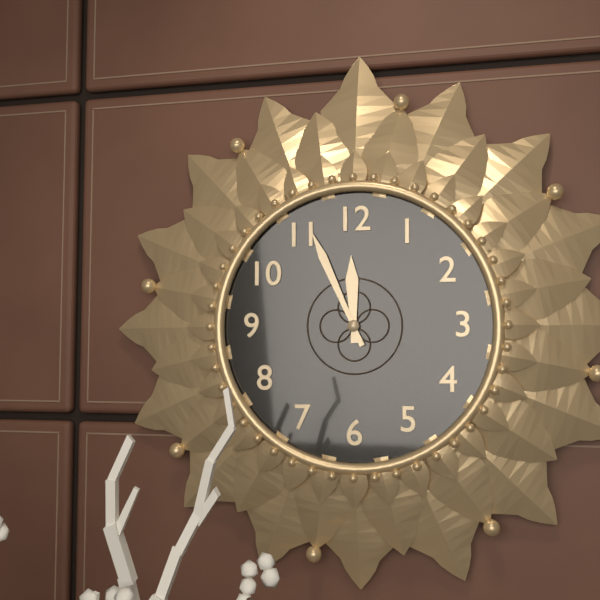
**11:56**
